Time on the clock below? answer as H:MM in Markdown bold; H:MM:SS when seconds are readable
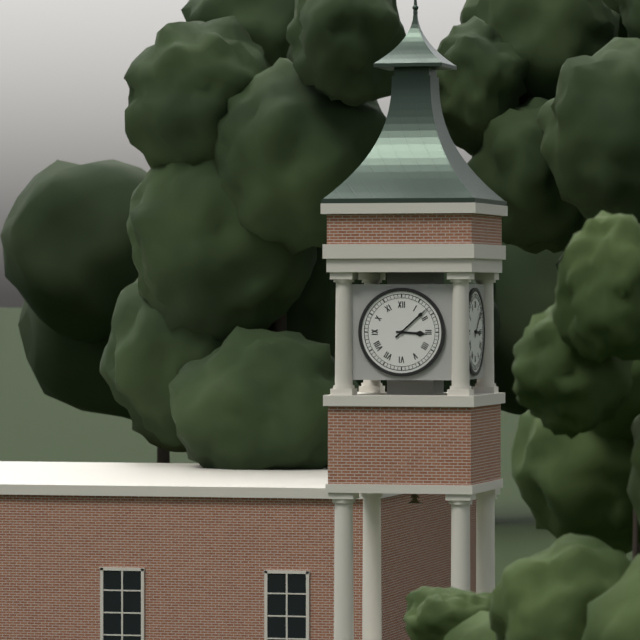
**3:08**
